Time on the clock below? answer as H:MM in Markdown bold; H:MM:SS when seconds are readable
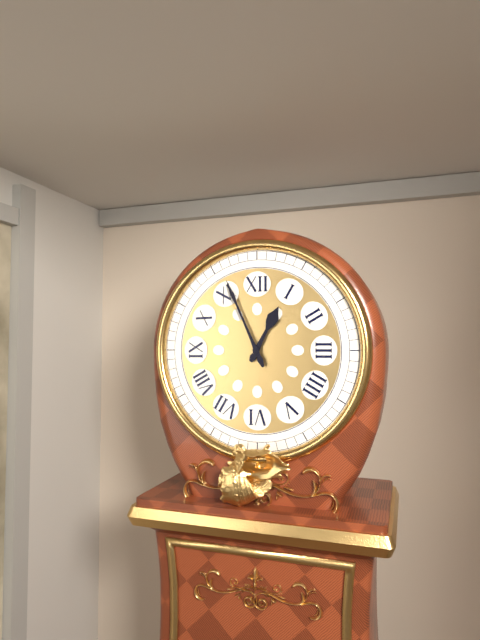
**12:56**
